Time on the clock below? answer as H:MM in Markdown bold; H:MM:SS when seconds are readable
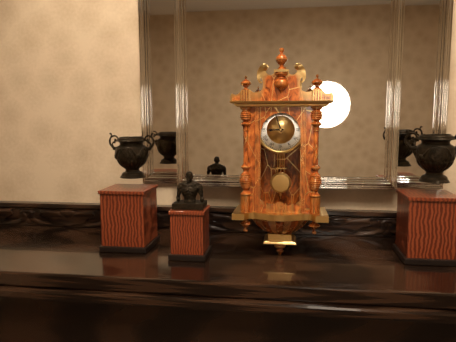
**8:57**
